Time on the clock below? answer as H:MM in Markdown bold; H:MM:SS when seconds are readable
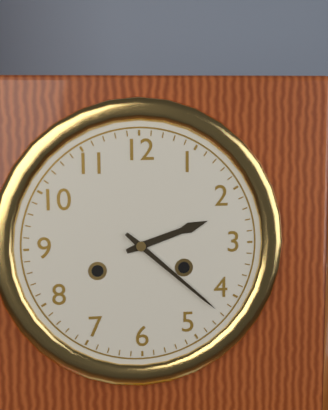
**2:22**
